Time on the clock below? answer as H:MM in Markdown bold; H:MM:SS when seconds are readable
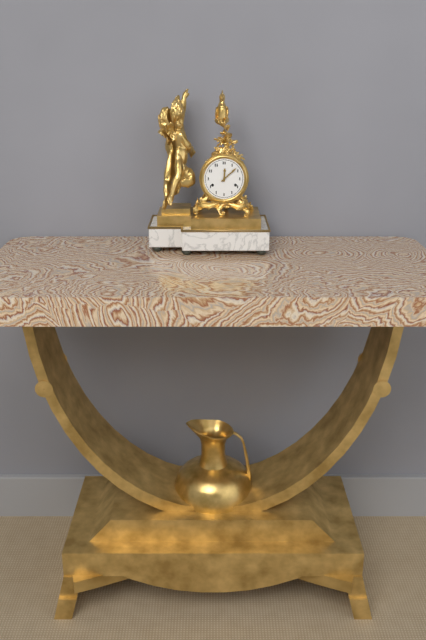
**12:08**
